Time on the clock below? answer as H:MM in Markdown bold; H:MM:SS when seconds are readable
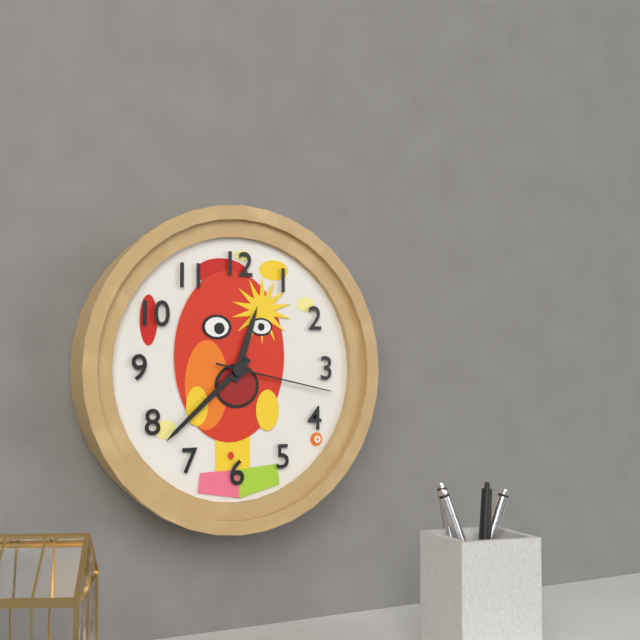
**12:38:17**
